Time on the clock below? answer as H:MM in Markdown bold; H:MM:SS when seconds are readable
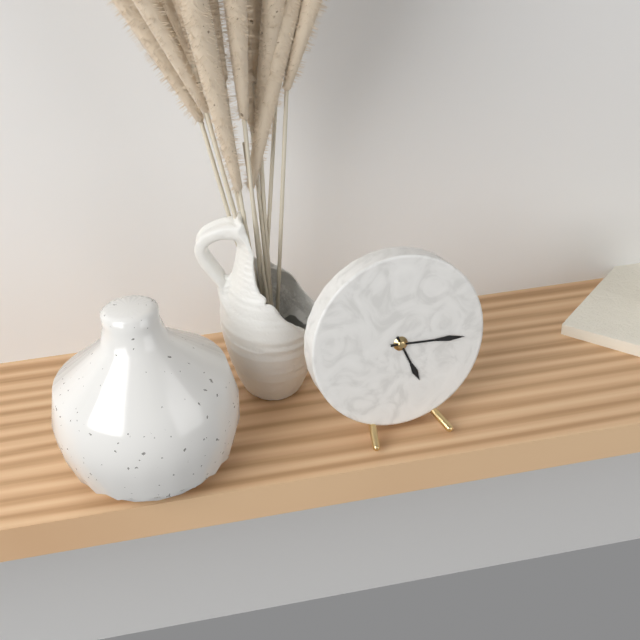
**5:16**
